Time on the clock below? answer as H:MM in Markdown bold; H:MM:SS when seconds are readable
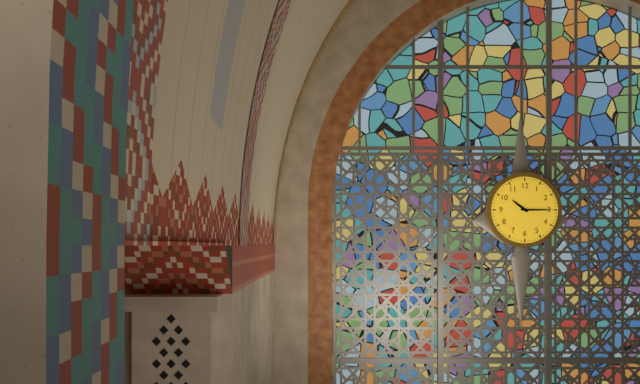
**10:15**
